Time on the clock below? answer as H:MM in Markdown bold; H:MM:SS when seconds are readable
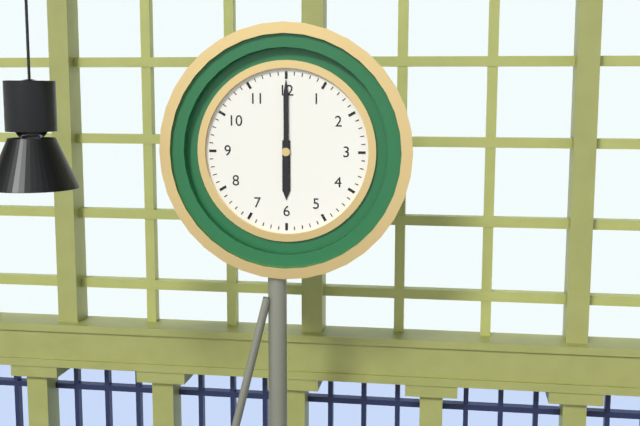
**6:00**
